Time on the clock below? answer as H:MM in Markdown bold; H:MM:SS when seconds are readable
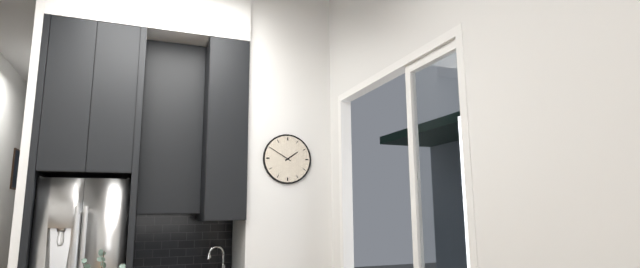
**1:50**
